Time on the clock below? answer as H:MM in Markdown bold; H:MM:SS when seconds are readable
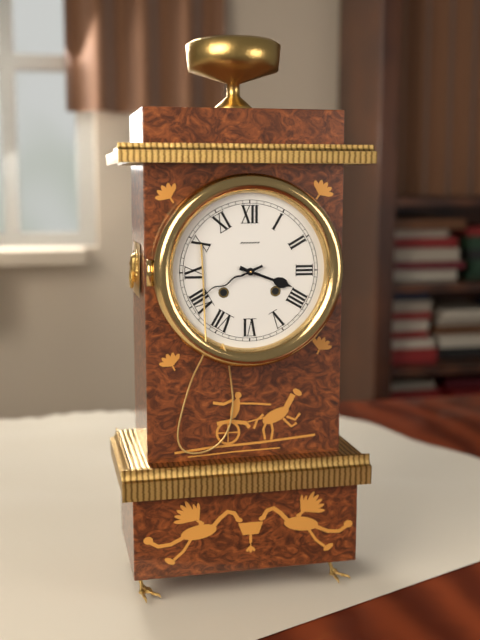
**3:41**
